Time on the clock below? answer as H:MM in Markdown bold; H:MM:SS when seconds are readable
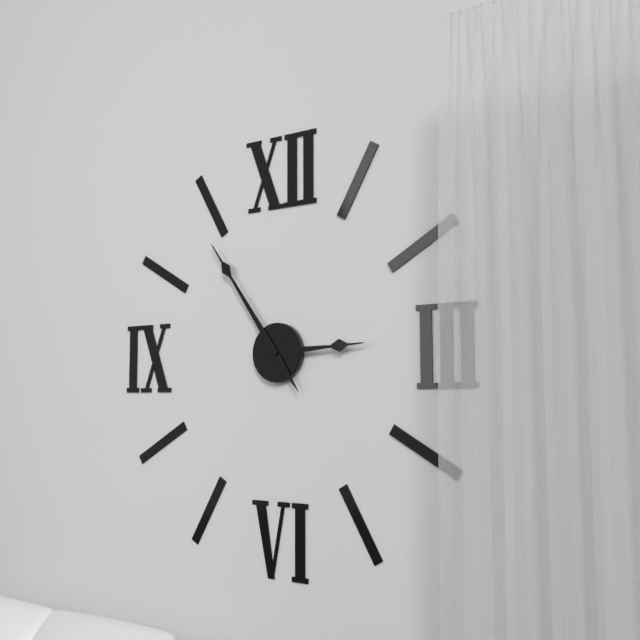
**2:54**
